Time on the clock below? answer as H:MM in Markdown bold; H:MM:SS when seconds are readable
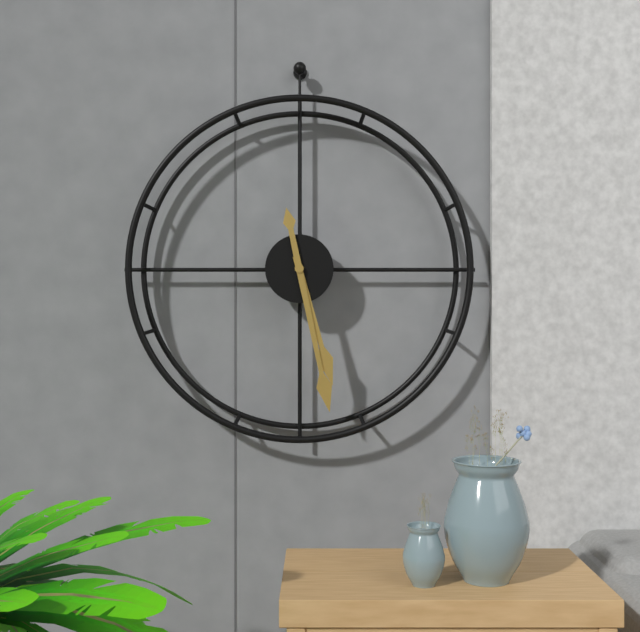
**5:28**
